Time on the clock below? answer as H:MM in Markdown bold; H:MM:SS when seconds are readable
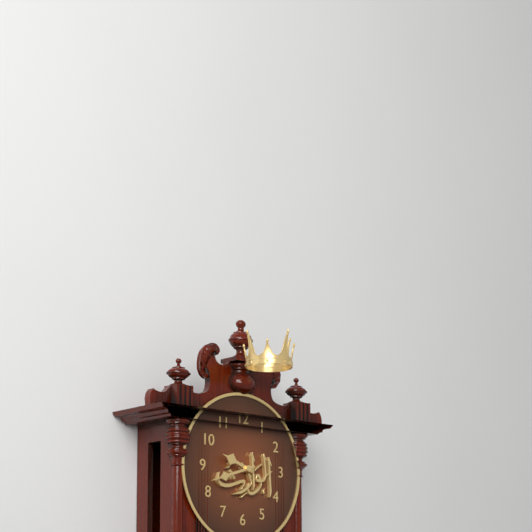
**9:42**
